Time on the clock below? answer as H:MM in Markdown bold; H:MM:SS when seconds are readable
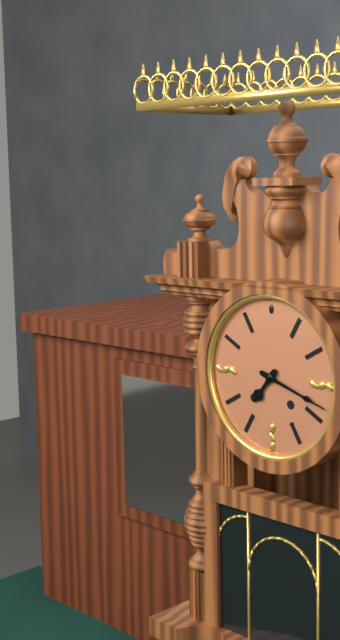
**7:18**
